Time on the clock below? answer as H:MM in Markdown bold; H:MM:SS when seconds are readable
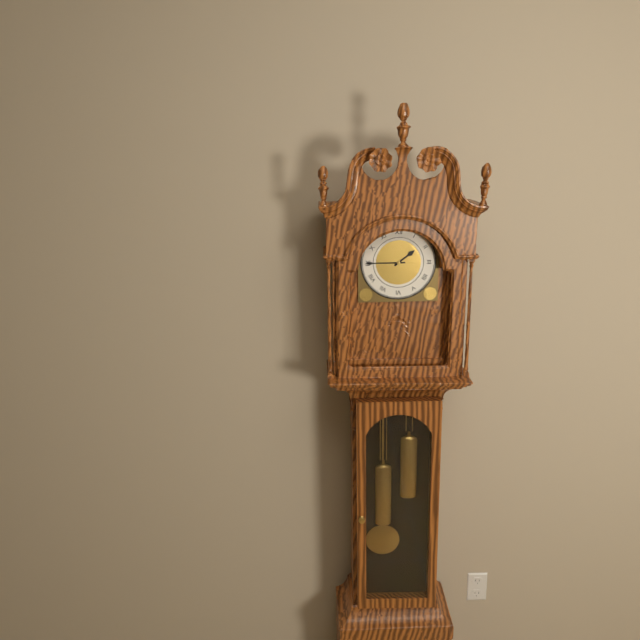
**1:45**
